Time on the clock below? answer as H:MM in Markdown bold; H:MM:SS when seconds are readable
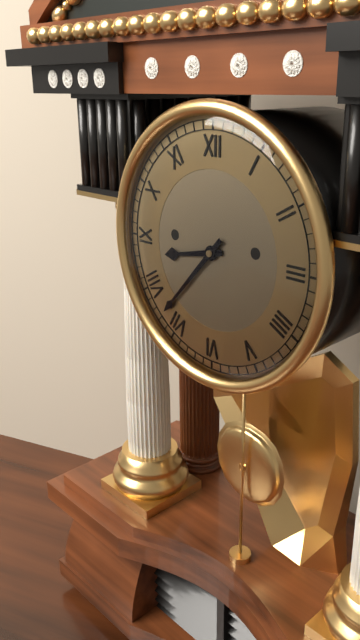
**8:37**
